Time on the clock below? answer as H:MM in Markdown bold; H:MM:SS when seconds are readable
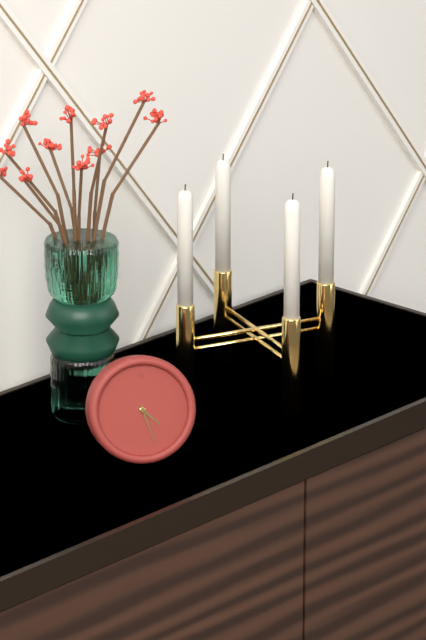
**4:27**
